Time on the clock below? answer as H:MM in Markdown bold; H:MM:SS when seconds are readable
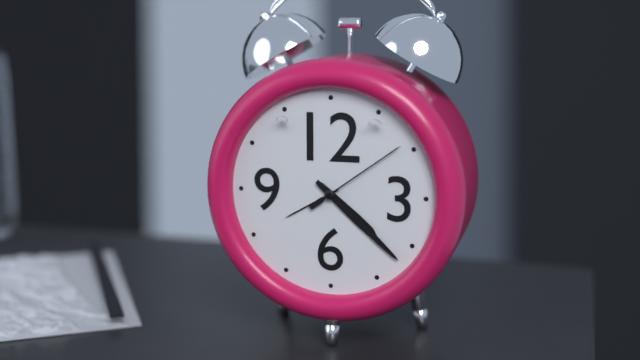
**4:22:09**
